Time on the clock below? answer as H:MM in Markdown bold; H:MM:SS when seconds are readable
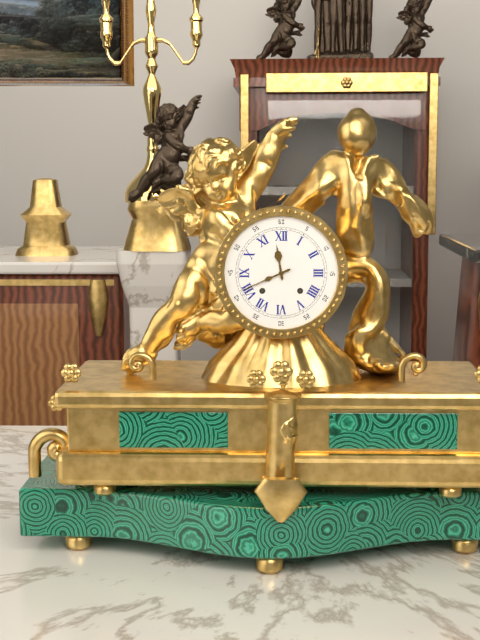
**11:41**
